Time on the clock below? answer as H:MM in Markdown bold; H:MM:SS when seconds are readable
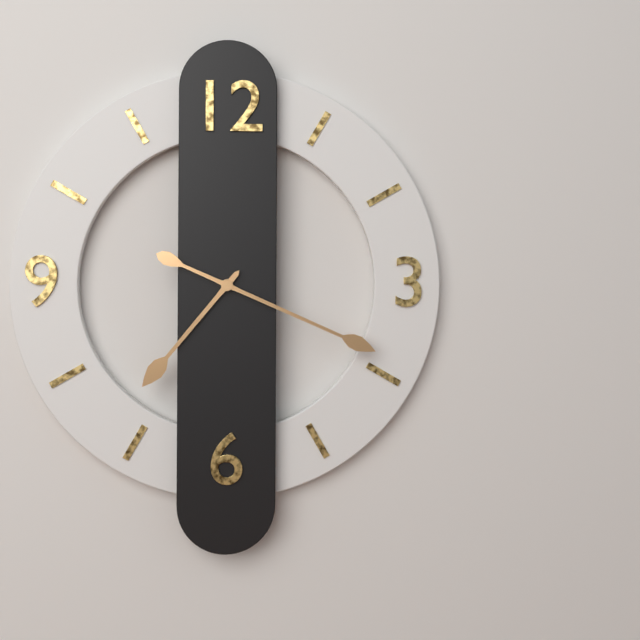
**7:19**
